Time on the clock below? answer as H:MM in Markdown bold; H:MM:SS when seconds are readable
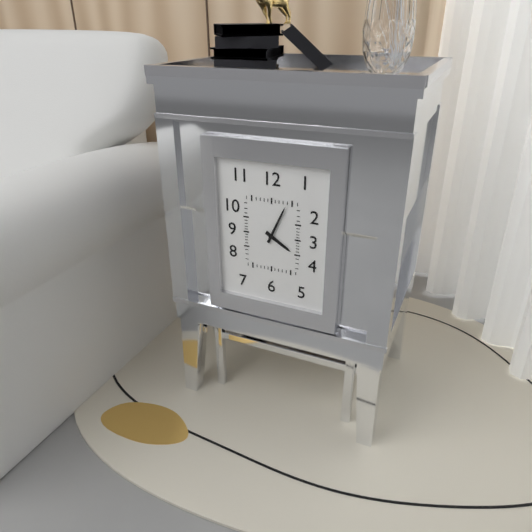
**4:04**
